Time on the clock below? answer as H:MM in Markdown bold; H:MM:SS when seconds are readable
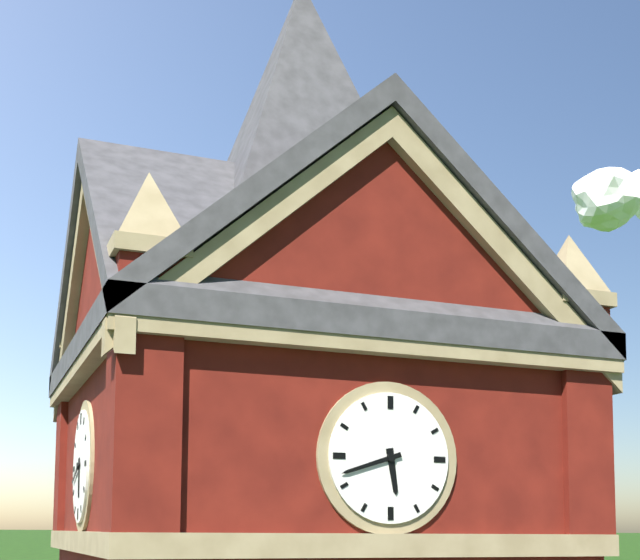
**5:42**
